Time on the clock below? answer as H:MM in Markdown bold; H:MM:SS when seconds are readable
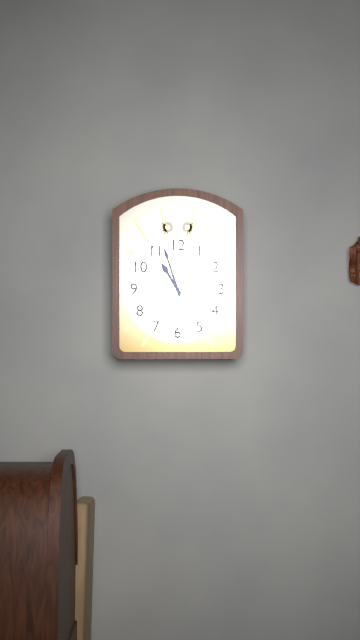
**10:57**
